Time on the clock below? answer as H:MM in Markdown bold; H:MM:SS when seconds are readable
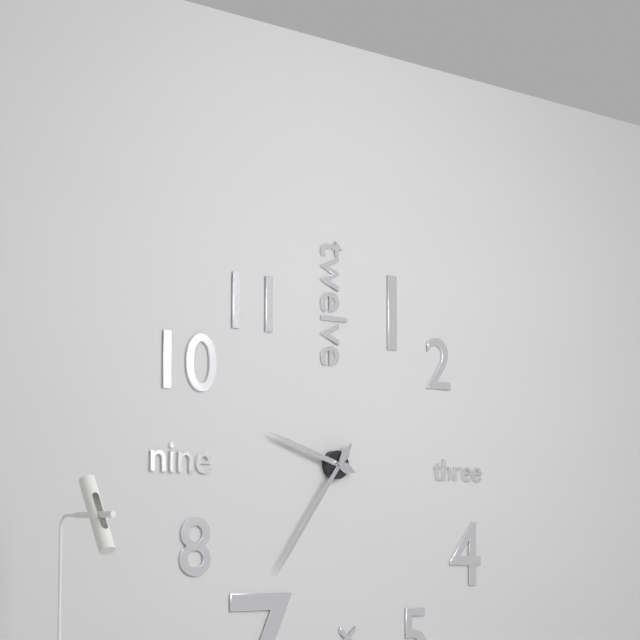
**9:36**
